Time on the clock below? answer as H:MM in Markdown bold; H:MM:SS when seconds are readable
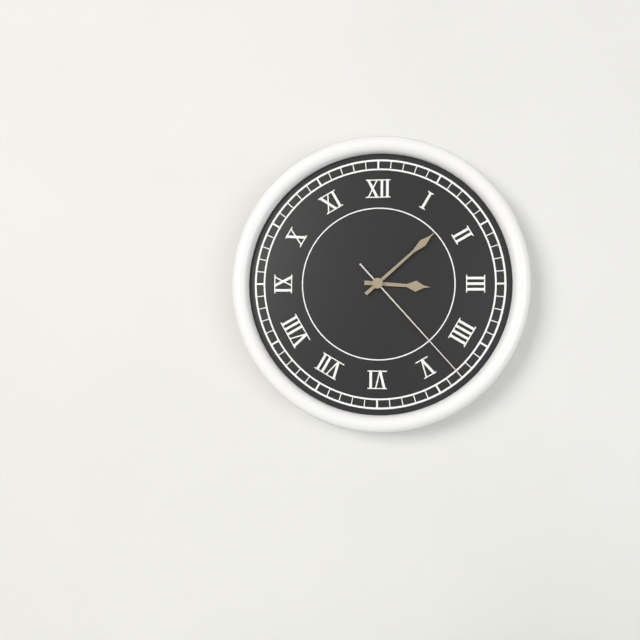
**3:08:23**
